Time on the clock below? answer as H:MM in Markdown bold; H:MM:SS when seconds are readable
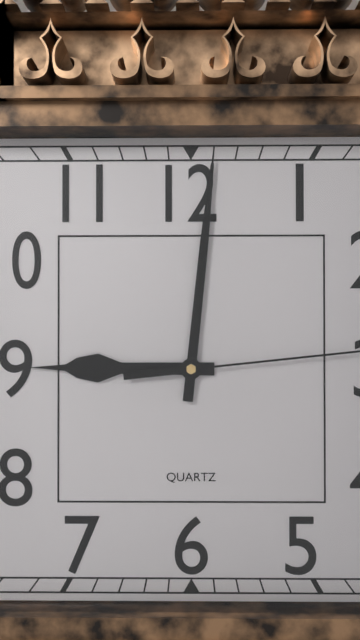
**9:01**
